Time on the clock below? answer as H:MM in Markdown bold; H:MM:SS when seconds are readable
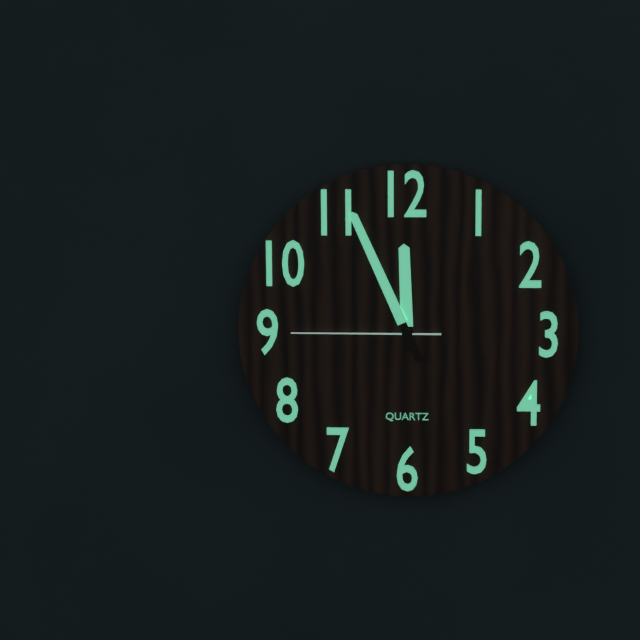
**11:56:45**
